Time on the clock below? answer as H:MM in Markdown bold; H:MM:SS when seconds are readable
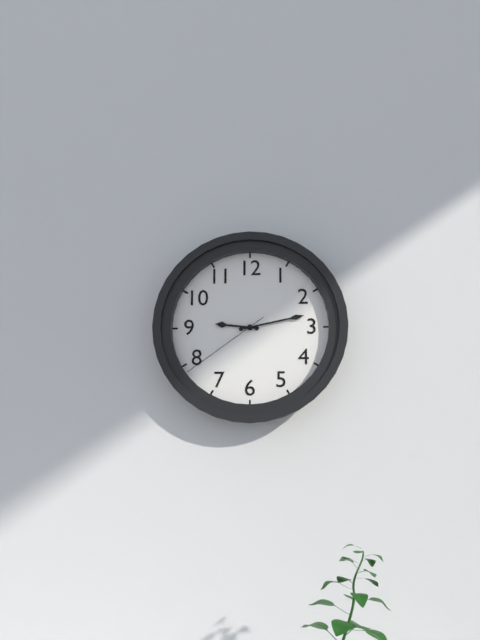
**9:13:39**
